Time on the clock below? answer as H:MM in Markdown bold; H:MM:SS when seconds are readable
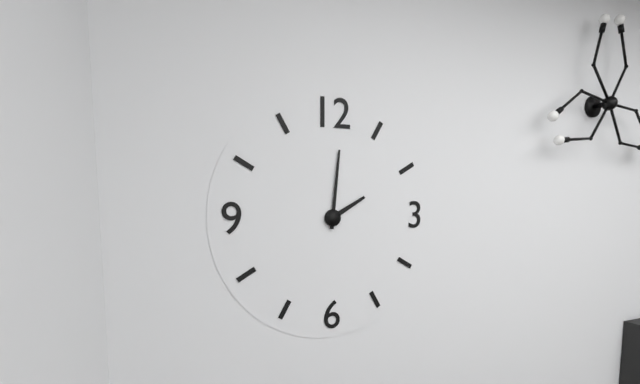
**2:01**
